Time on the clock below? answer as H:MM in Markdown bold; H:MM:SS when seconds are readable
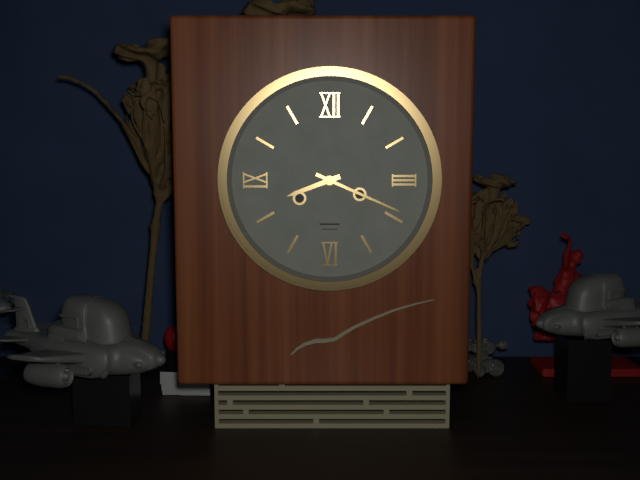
**8:19**
